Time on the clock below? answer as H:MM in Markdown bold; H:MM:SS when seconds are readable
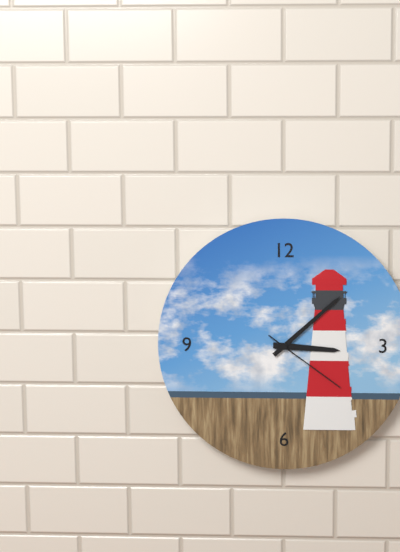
**3:08:21**
